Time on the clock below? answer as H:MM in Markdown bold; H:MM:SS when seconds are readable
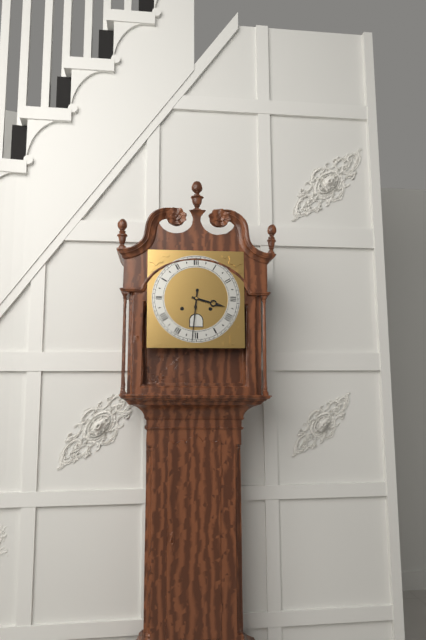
**3:31**
